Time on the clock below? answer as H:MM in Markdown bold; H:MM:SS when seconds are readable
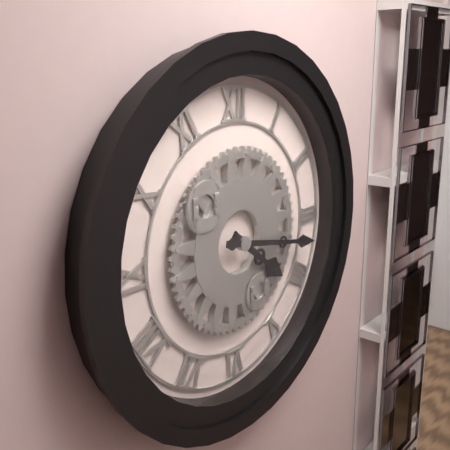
**4:17**
